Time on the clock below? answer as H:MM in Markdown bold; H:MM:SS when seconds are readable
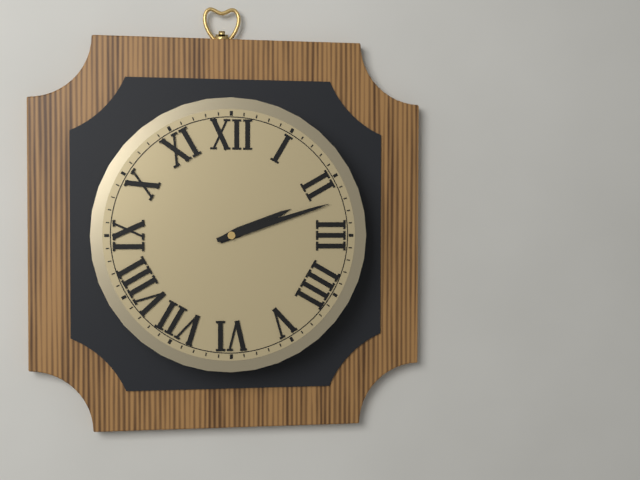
**2:12**
